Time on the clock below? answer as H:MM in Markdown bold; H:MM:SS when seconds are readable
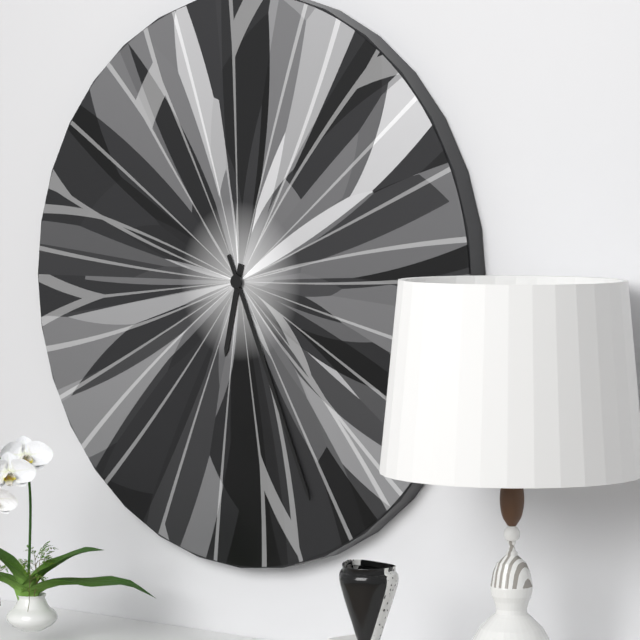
**6:26**
